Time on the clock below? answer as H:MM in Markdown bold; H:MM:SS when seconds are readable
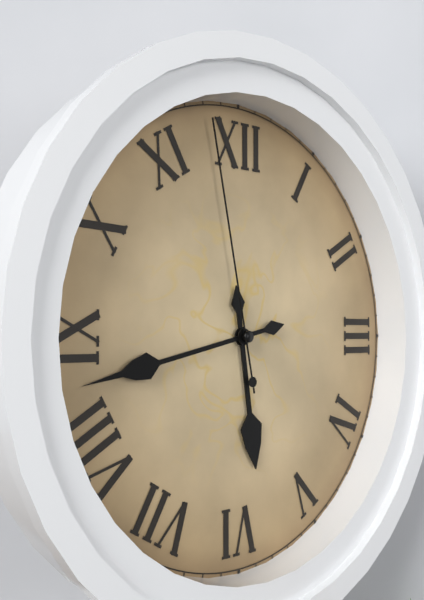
**5:43:58**
